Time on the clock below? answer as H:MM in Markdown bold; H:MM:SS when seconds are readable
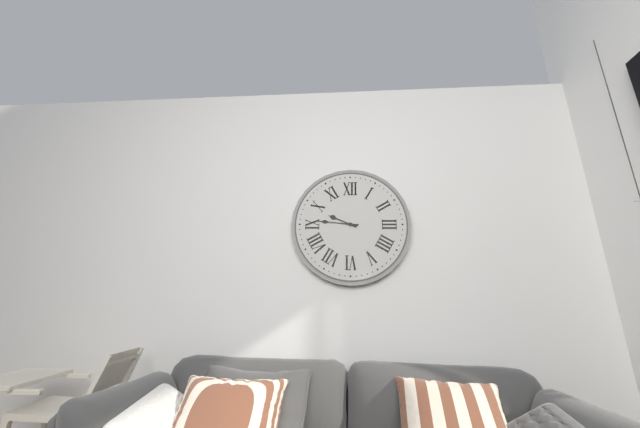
**9:46**
